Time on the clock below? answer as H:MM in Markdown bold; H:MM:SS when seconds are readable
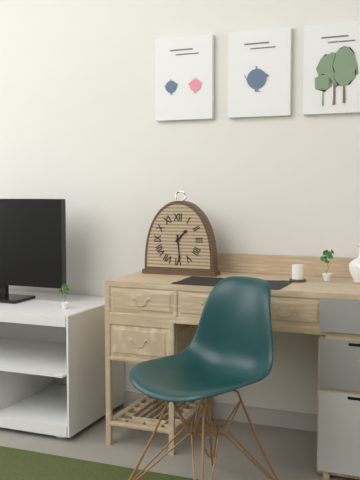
**1:29**
